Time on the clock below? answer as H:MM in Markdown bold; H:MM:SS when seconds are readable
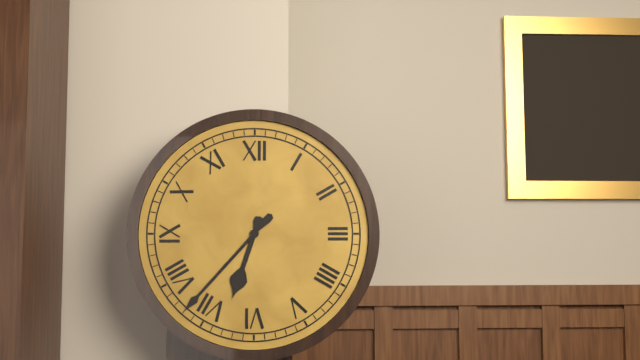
**6:37**
